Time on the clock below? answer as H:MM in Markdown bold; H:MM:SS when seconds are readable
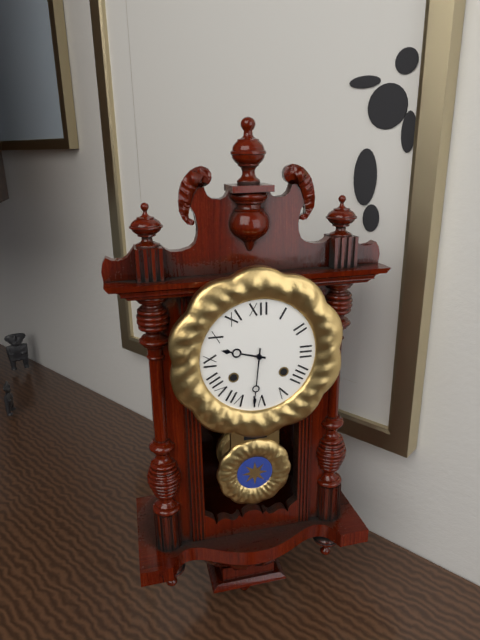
**9:31**
